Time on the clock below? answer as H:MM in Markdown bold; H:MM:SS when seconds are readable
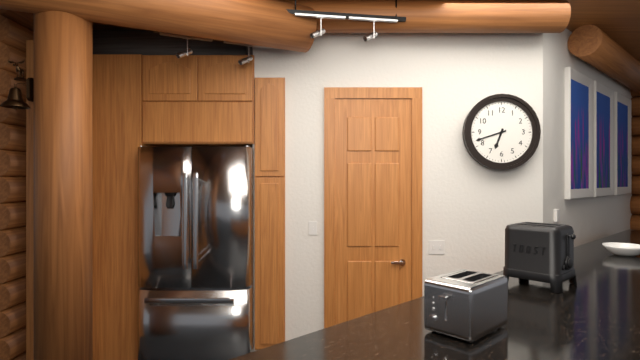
**6:42**
